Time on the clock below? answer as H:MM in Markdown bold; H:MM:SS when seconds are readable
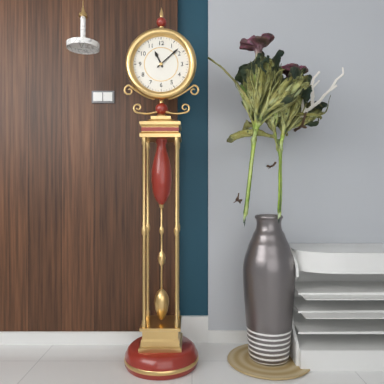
**11:08**
